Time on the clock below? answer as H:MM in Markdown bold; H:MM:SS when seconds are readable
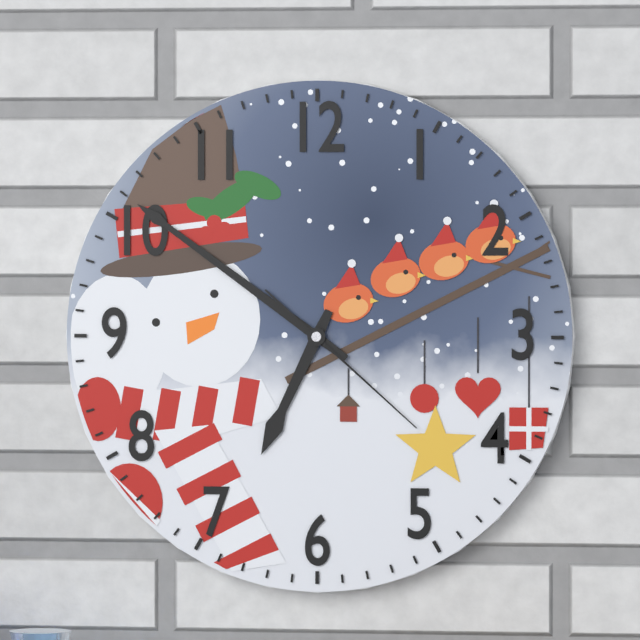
**6:51:22**
